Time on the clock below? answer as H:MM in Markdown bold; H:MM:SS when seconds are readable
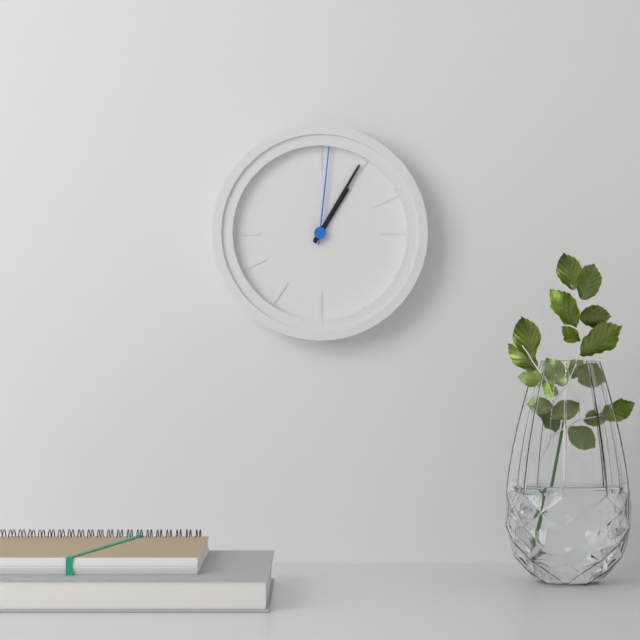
**1:05:01**
